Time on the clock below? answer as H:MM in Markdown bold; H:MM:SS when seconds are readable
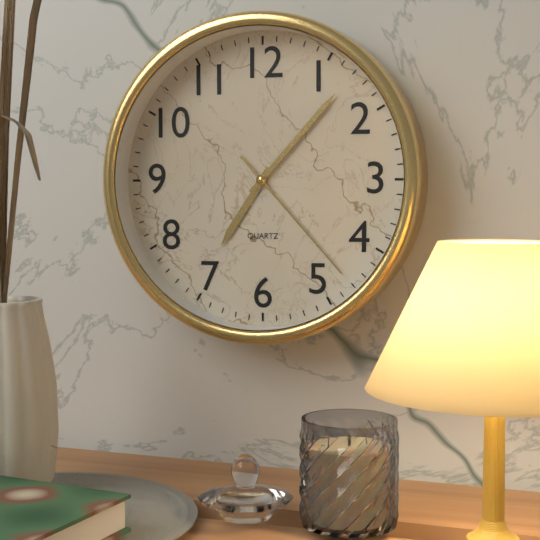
**7:07:23**
